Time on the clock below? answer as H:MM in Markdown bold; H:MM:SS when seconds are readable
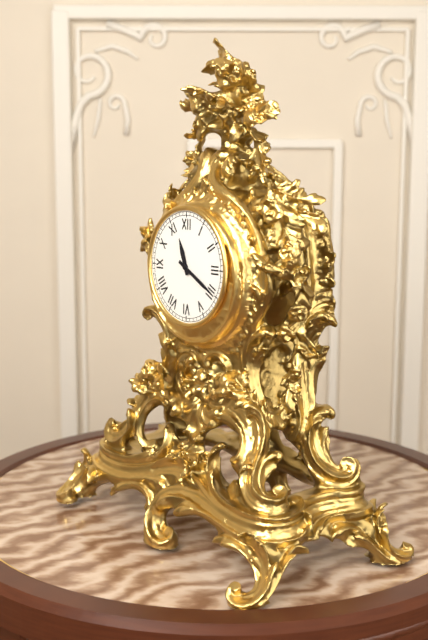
**11:20**
